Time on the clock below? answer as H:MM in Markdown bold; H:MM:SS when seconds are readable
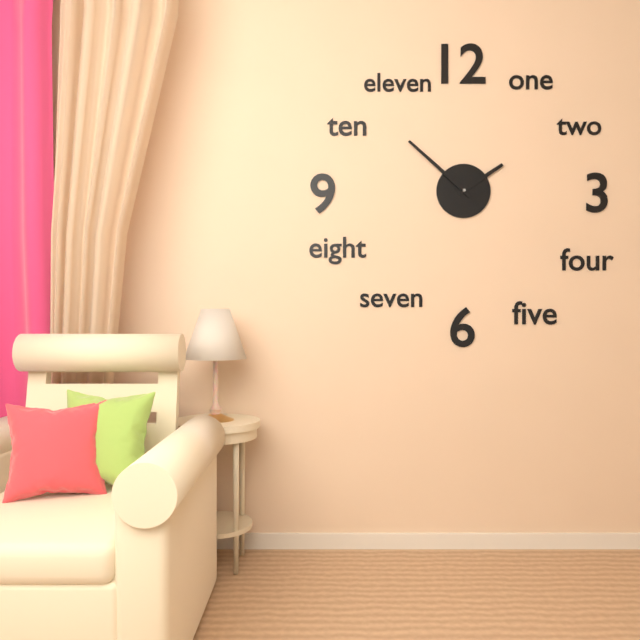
**1:52**
